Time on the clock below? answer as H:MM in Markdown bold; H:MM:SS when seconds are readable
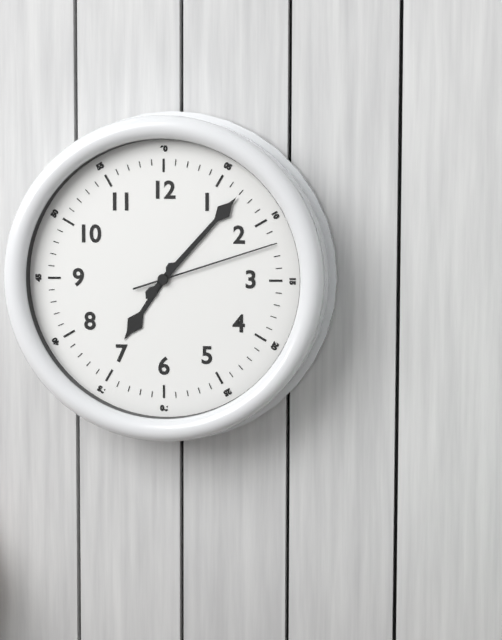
**7:07:12**
